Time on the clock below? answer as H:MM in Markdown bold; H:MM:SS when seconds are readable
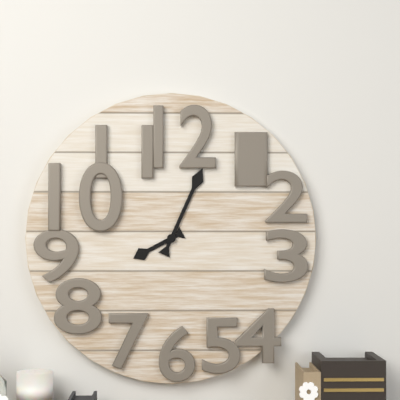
**8:04**
